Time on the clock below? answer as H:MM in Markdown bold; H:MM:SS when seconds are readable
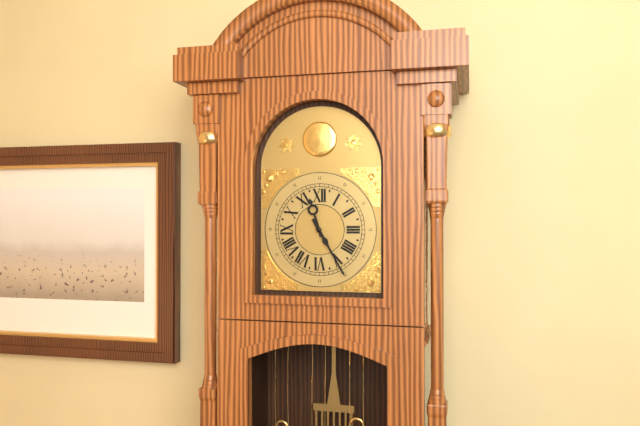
**11:25**
